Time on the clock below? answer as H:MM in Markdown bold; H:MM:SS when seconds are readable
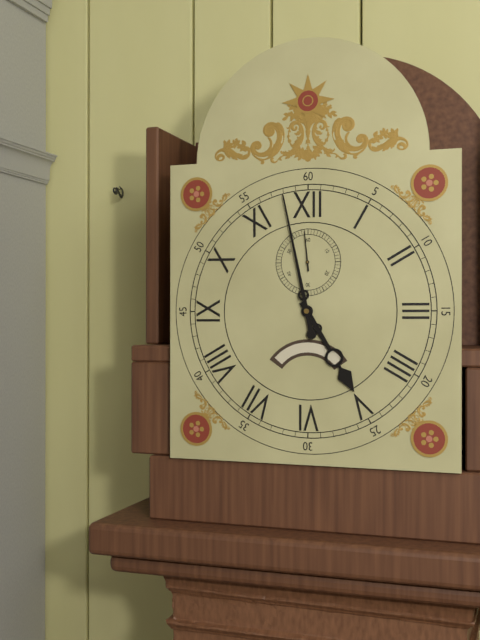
**4:58**
